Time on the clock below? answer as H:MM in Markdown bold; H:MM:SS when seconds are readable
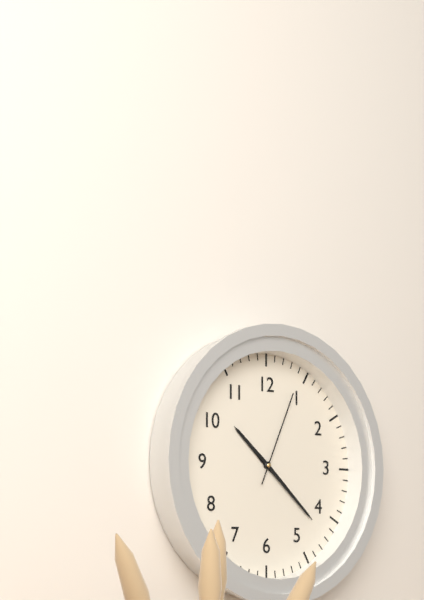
**10:22:04**
